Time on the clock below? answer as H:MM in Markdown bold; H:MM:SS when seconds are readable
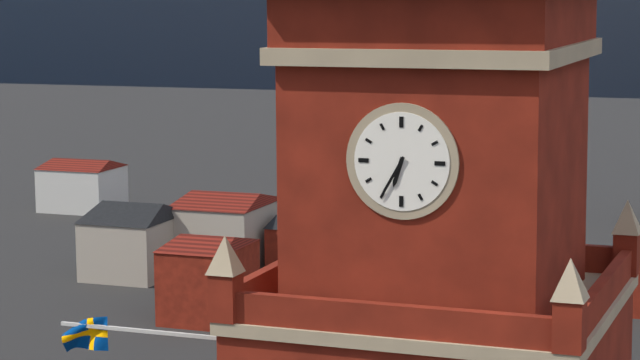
**6:35**
